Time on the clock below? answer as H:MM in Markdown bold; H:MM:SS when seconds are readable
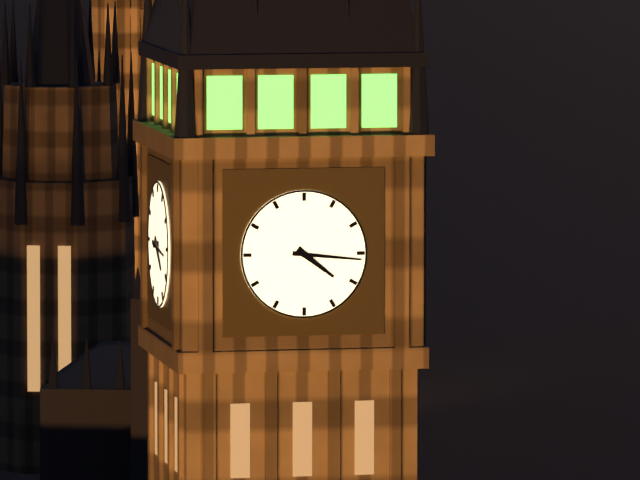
**4:16**
